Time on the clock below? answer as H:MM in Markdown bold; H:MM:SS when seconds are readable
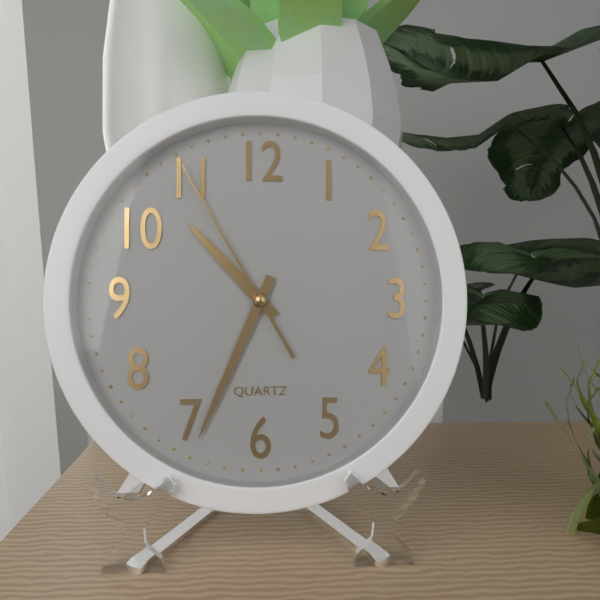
**10:34:55**
